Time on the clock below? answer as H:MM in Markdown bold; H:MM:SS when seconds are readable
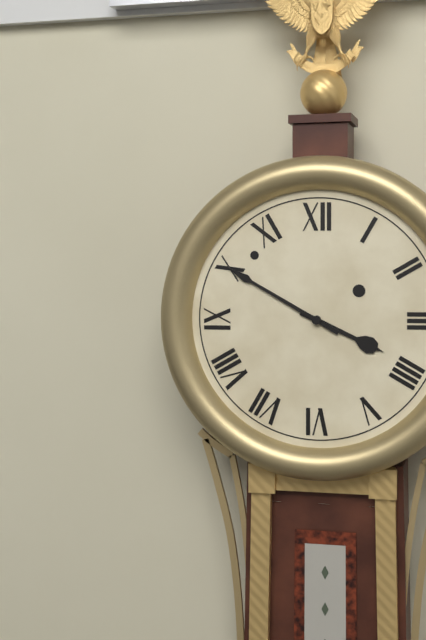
**3:50**
